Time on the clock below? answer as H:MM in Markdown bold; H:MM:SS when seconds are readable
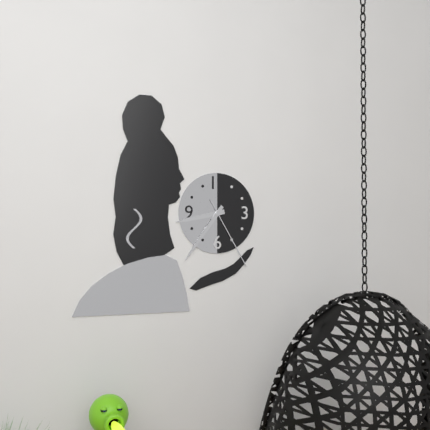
**8:36:25**
